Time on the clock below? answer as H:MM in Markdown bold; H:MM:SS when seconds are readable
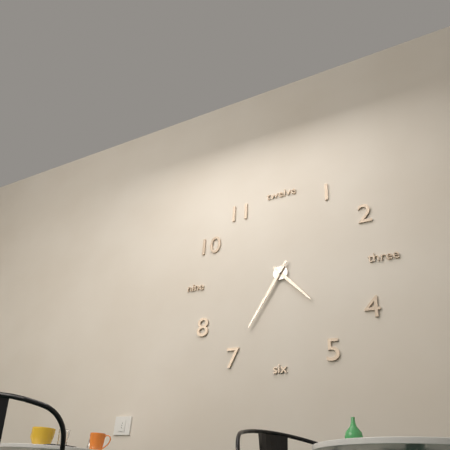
**4:35**
